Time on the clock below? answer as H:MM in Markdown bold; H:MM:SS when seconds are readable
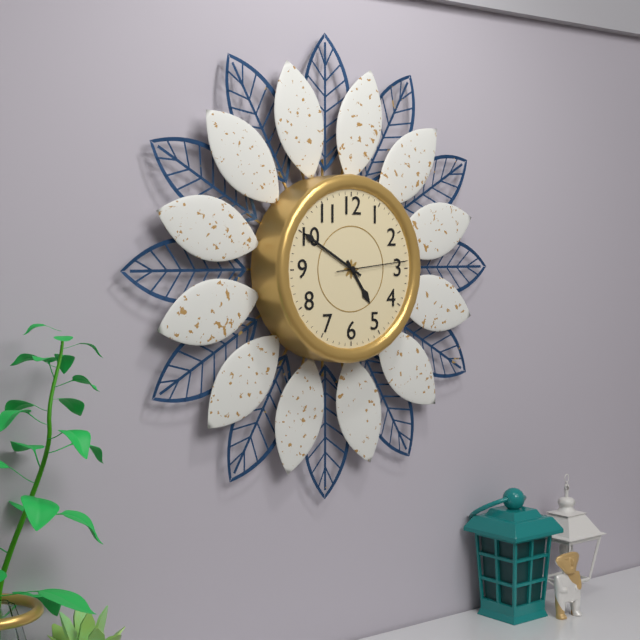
**4:50:14**
